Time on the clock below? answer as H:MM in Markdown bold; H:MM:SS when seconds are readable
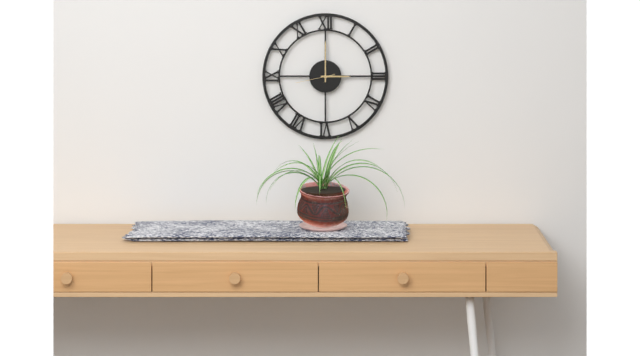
**3:00**
